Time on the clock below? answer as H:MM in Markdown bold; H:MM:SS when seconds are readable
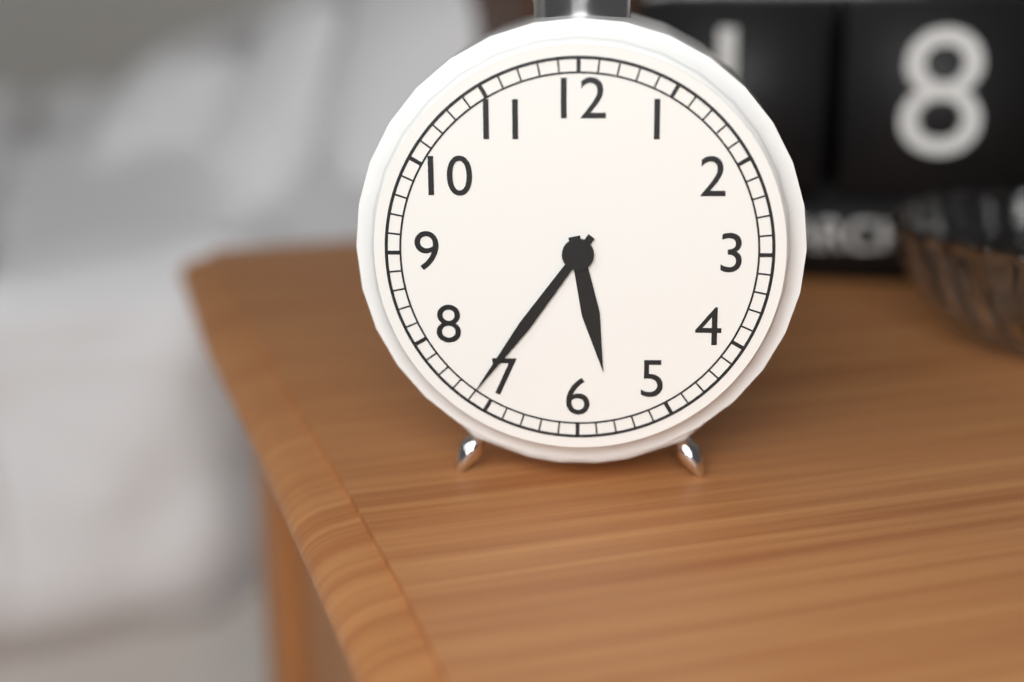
**5:36**
